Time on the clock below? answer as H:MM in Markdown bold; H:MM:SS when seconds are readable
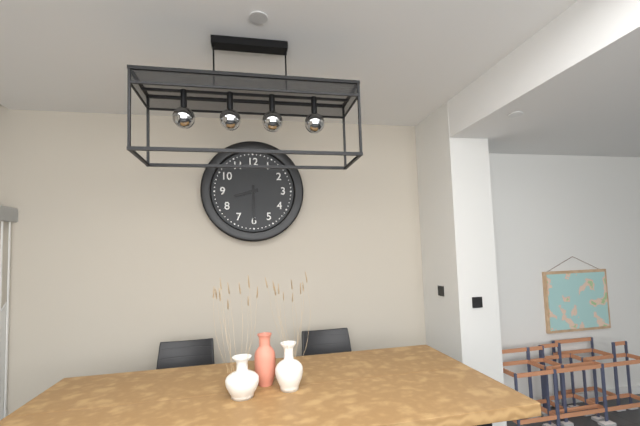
**8:30**
